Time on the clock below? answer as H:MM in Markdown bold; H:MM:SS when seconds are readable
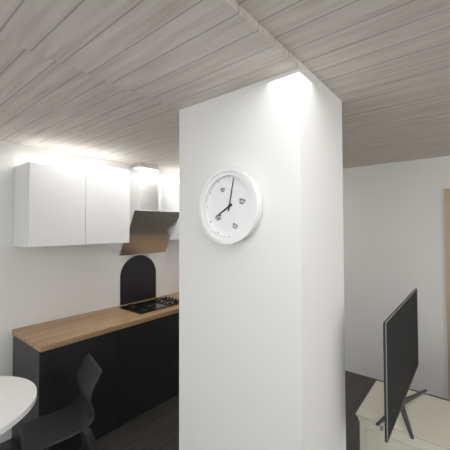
**8:02**
